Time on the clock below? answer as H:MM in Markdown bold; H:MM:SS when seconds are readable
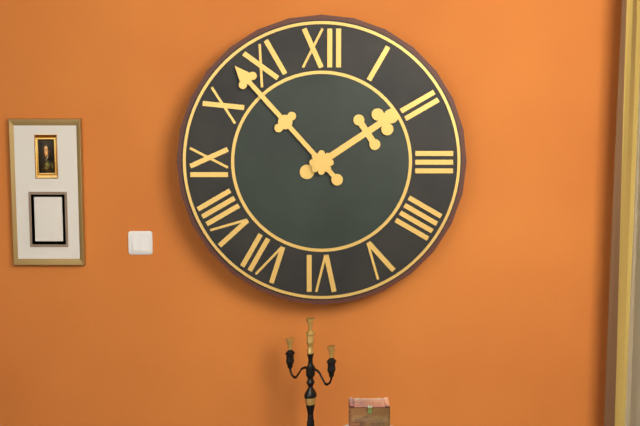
**1:53**
